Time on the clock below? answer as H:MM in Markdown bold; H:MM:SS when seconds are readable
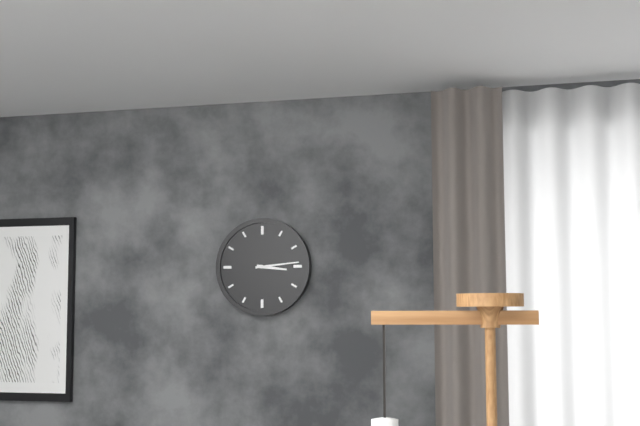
**3:14**
